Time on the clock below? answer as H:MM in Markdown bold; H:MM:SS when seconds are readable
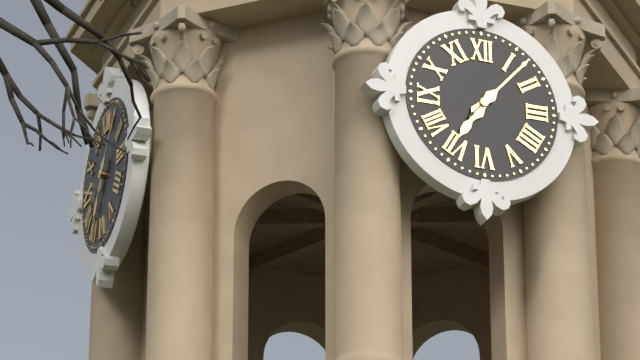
**7:07**
